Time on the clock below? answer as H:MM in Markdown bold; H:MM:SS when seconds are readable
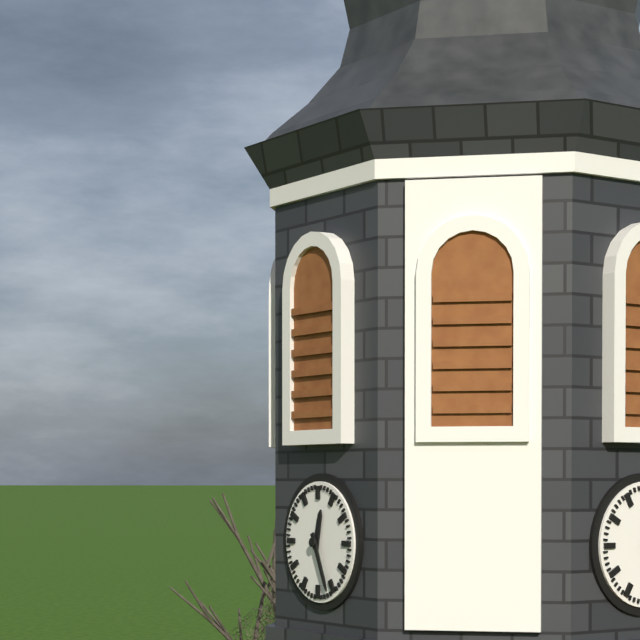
**12:26**
